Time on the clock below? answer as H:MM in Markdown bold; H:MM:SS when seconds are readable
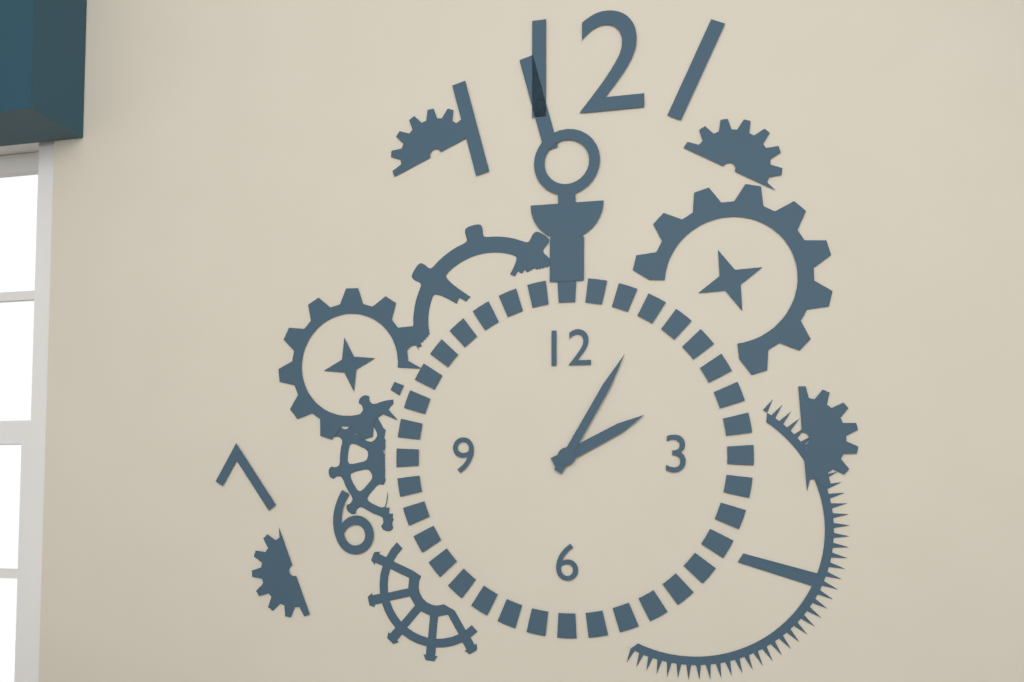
**2:05**
